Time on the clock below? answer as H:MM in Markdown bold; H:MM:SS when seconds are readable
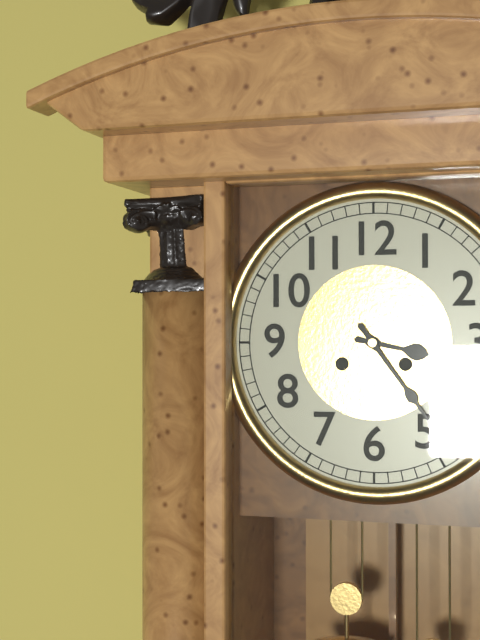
**3:24**
